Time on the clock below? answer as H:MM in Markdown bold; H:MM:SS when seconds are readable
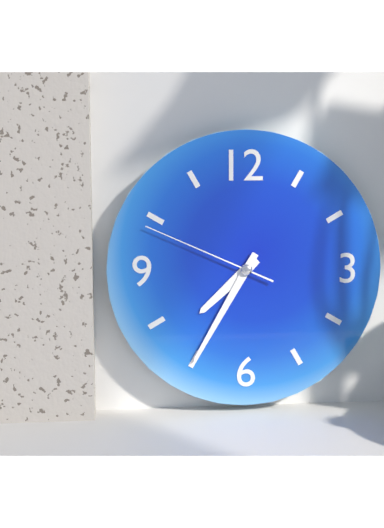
**7:35:49**
